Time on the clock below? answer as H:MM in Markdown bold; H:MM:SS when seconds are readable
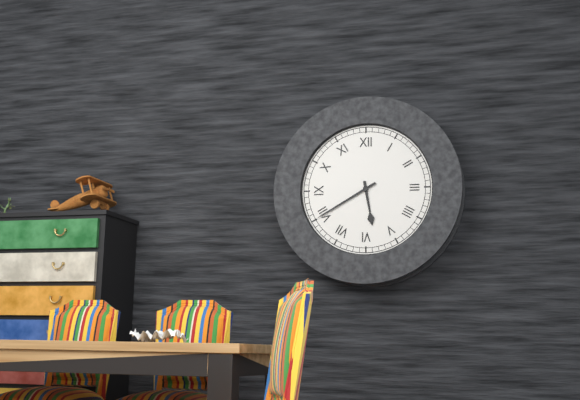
**5:40**
